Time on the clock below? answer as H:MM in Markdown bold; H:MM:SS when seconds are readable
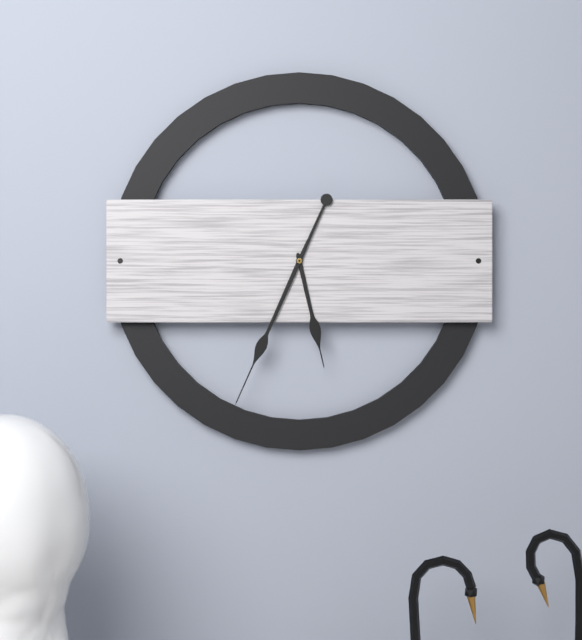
**5:34**
